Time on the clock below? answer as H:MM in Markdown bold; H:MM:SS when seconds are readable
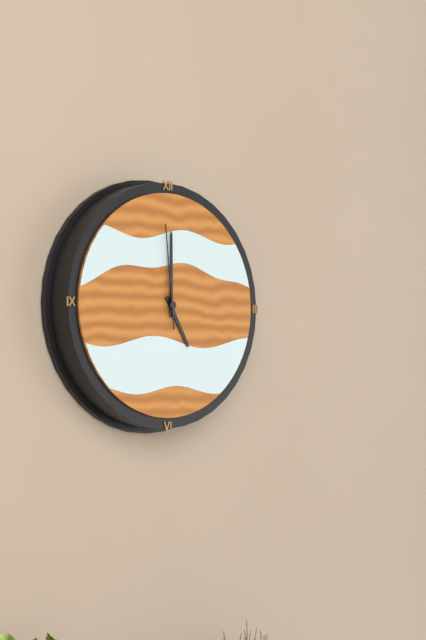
**5:00:59**
